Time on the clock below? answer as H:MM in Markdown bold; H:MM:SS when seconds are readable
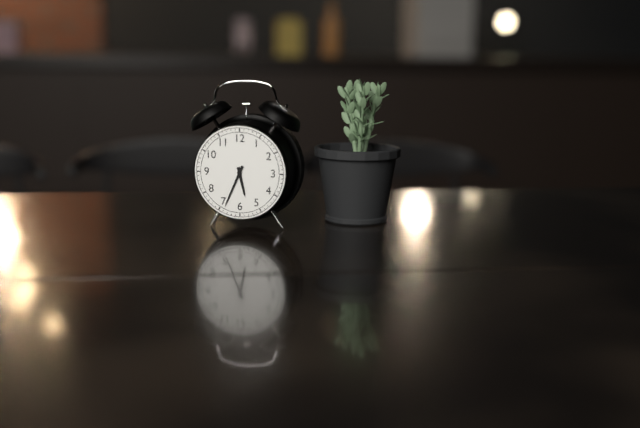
**5:34**
